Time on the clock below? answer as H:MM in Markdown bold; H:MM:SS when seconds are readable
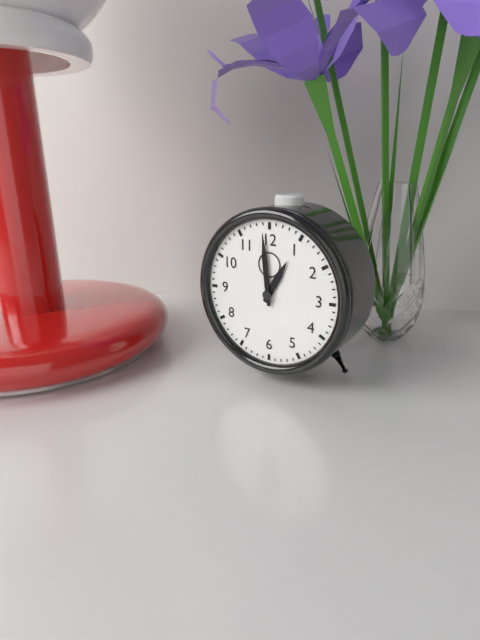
**12:59**
